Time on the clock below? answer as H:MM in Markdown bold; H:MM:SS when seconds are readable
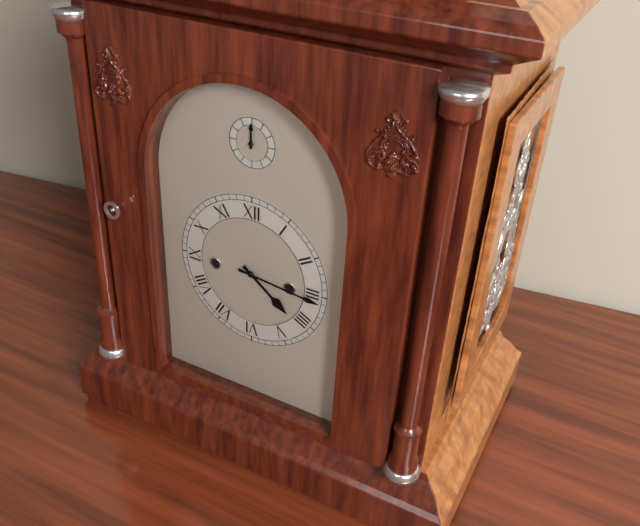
**4:16**
